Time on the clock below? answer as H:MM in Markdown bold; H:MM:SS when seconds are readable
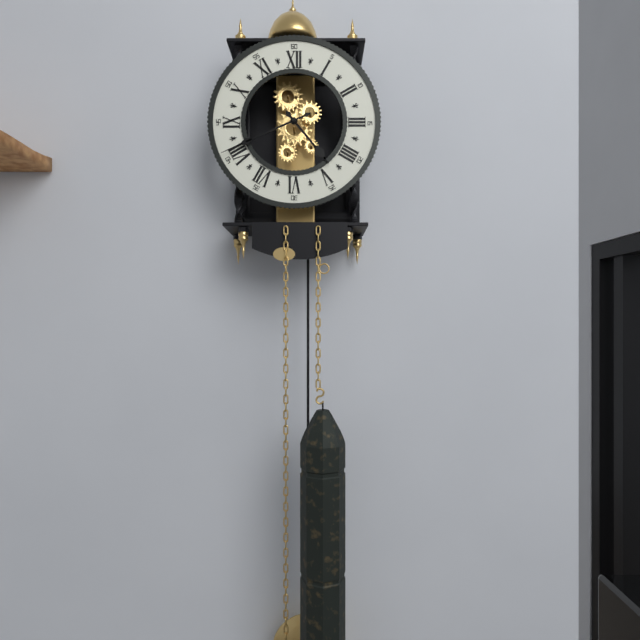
**4:41**
